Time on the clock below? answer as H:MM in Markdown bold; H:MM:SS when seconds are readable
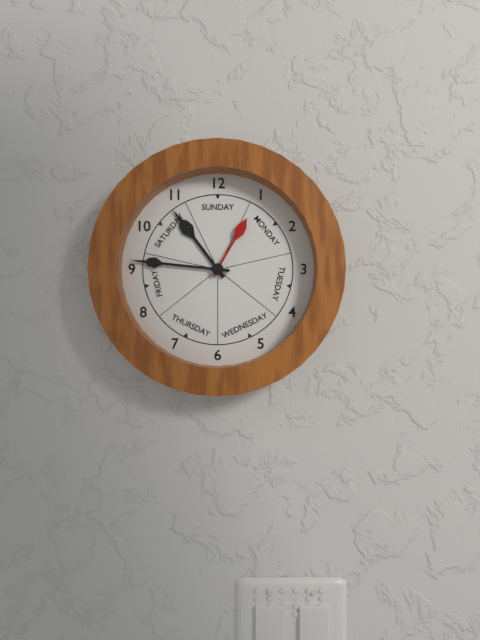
**10:46:05**
